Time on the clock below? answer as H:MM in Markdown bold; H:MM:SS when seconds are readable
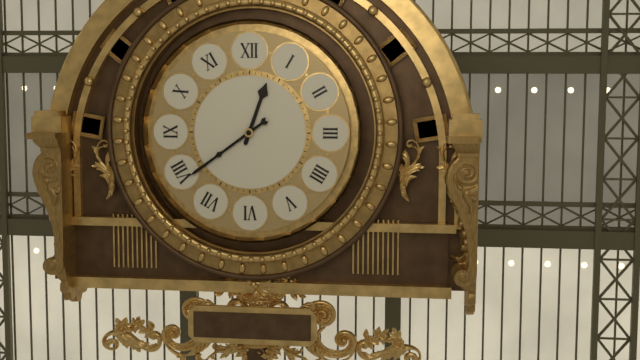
**12:39**
